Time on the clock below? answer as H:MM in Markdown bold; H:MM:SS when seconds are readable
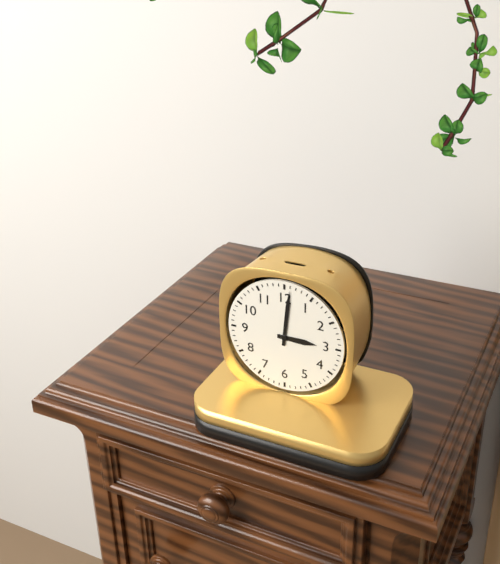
**3:01**
